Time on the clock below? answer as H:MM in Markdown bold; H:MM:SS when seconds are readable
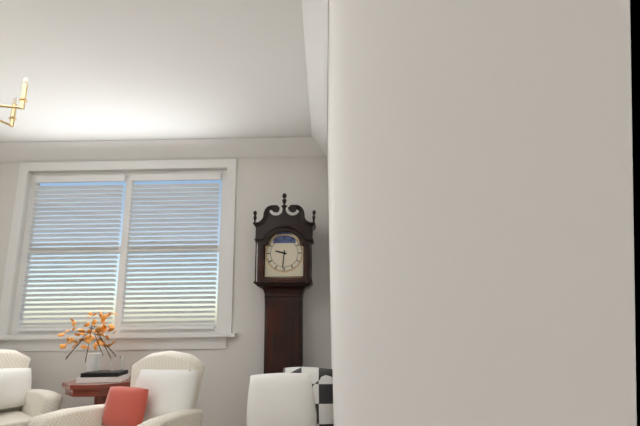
**9:31**
